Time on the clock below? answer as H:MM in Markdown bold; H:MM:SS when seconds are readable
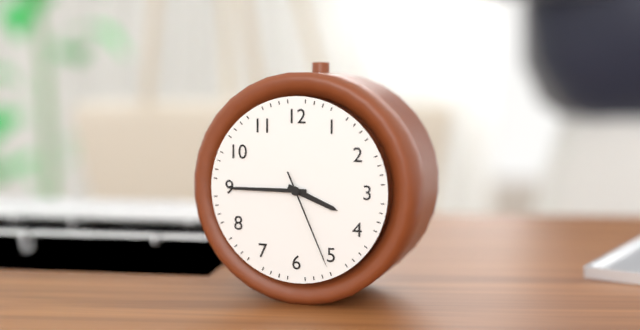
**3:45:26**
